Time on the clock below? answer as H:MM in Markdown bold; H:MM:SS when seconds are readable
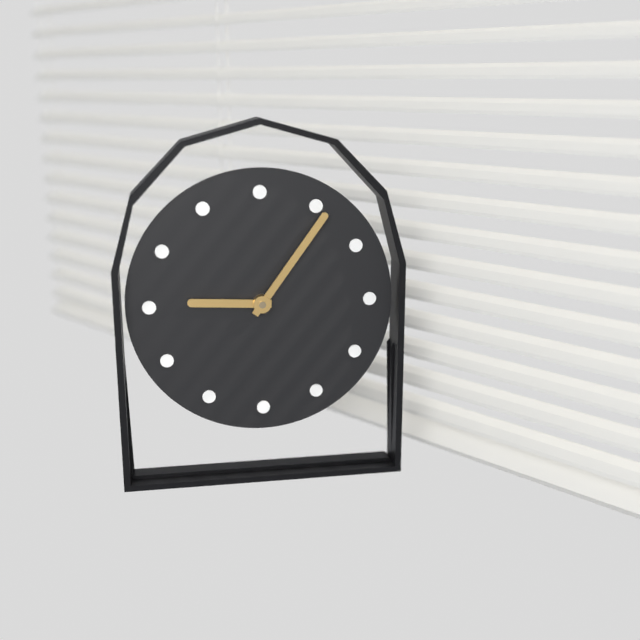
**9:06**
